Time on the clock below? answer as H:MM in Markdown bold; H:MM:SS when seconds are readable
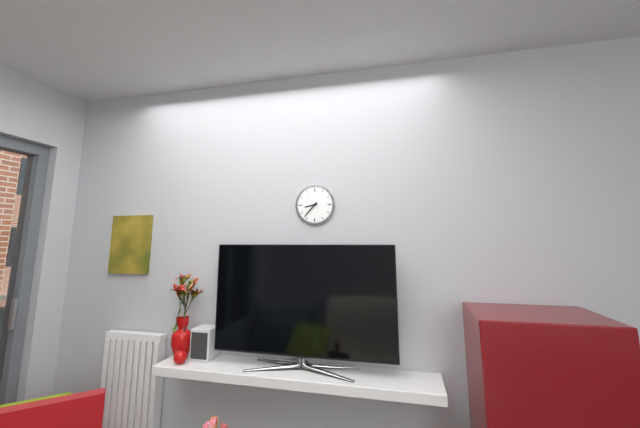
**8:37**
